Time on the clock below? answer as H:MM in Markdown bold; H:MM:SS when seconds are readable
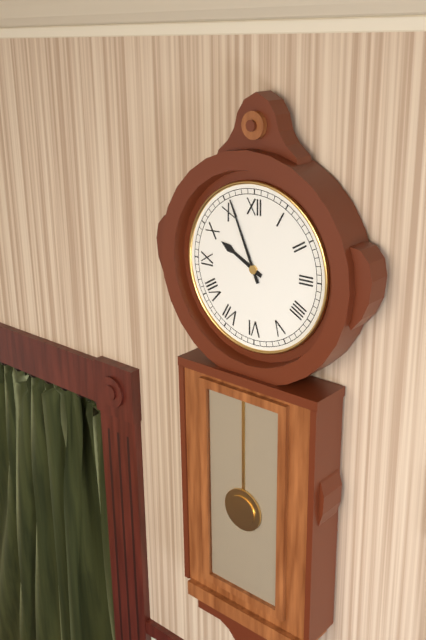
**9:56**
